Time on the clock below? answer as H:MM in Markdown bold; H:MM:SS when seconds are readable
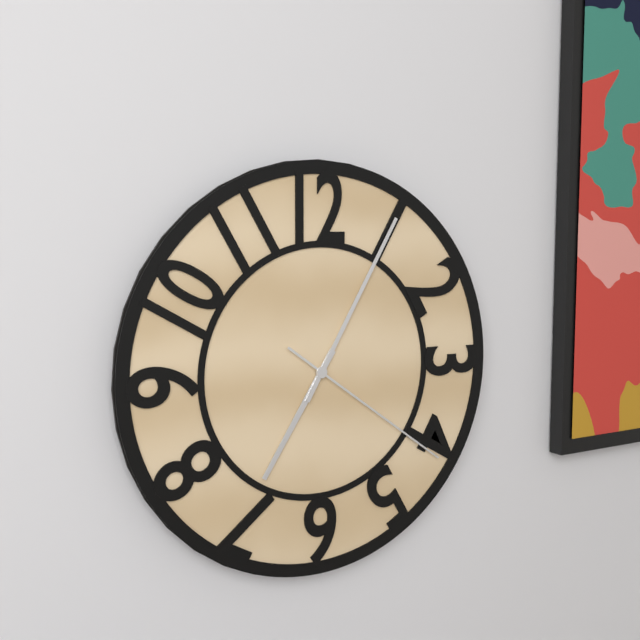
**7:05:21**
